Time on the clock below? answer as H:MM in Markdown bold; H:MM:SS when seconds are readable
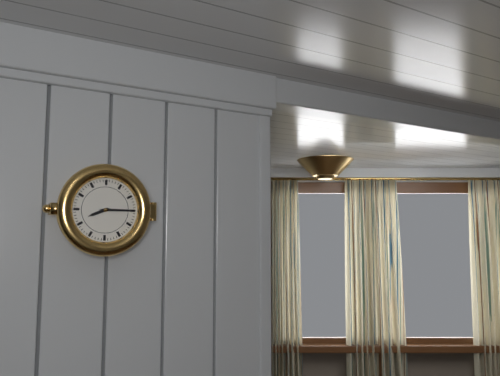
**8:15**
